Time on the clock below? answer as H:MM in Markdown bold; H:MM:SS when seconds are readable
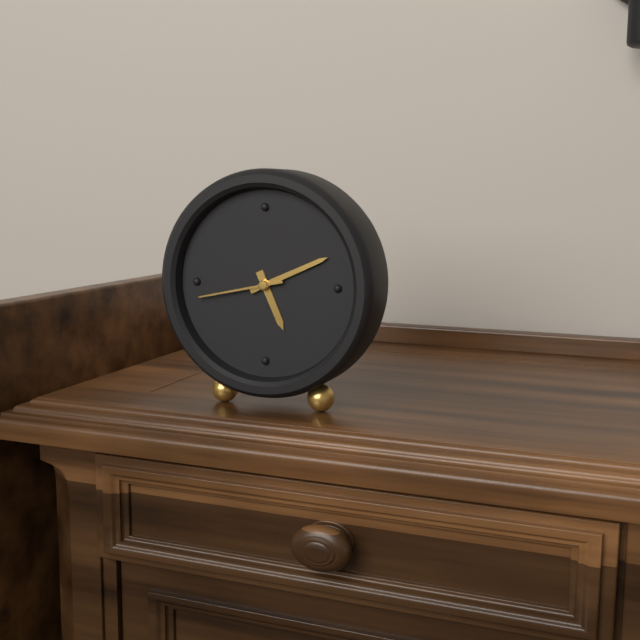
**5:11:43**
